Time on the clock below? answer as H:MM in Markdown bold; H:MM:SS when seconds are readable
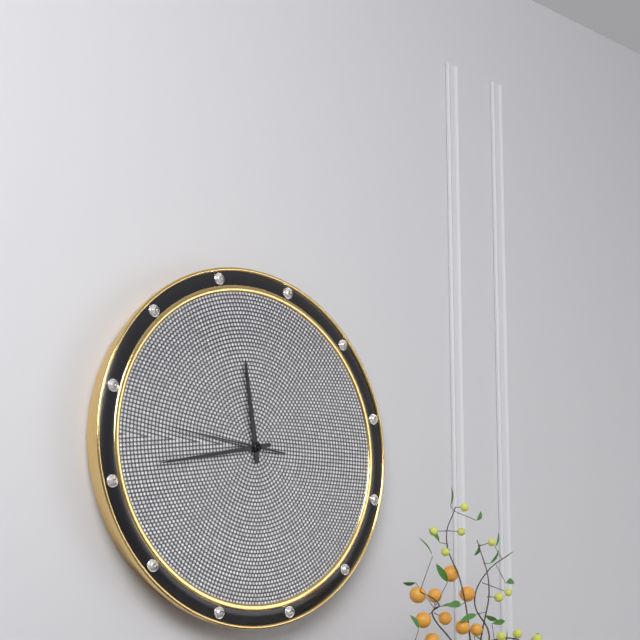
**11:43:46**
